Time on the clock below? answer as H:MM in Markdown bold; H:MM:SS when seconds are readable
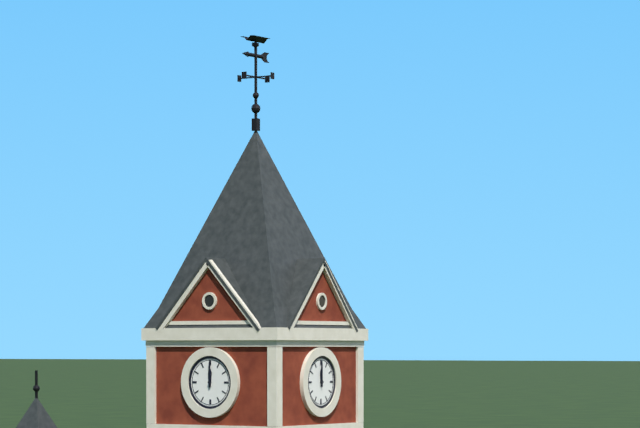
**12:00**
